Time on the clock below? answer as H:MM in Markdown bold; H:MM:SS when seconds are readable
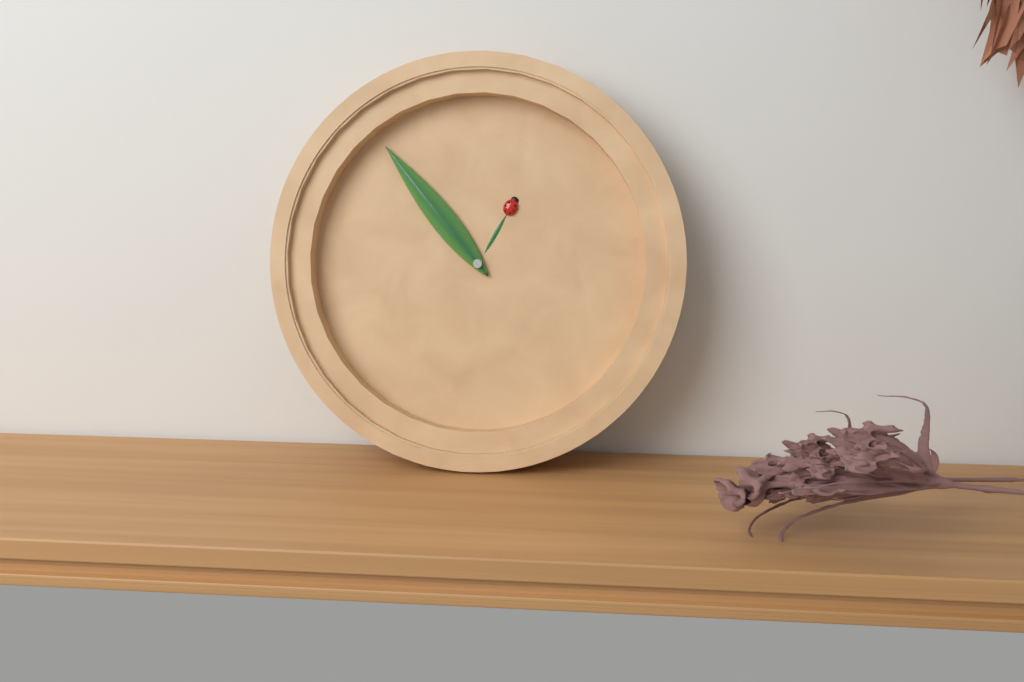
**12:53**
